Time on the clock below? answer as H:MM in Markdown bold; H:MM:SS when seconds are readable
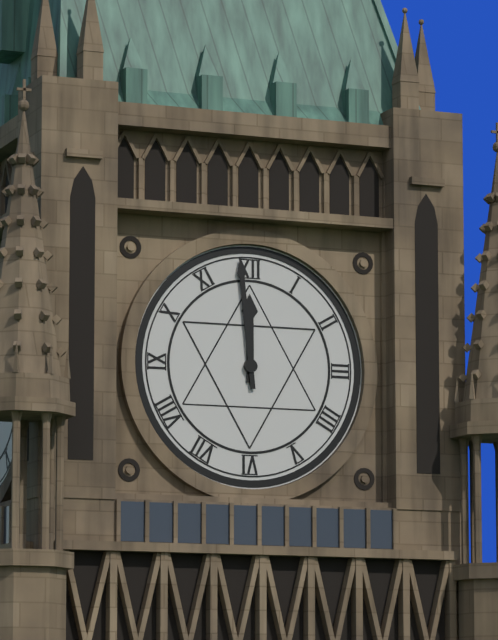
**11:59**
